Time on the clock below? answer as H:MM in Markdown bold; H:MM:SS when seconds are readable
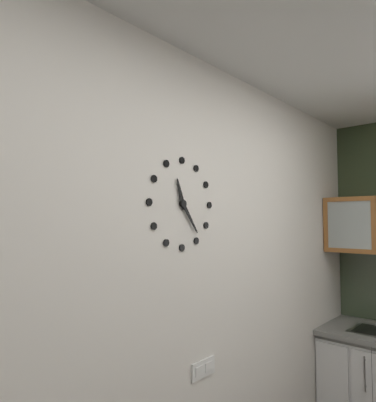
**11:24**
